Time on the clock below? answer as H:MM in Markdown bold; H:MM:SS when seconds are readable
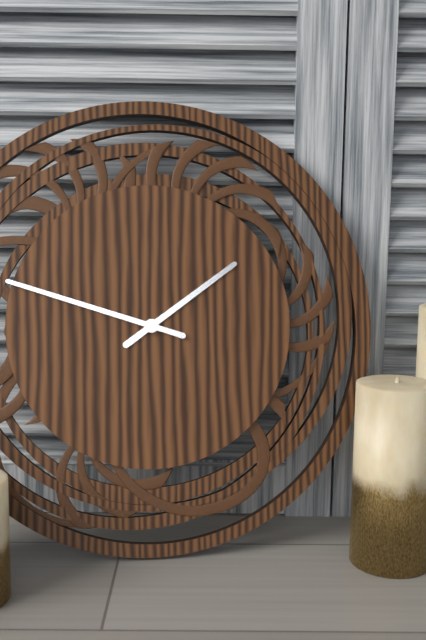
**1:48**
